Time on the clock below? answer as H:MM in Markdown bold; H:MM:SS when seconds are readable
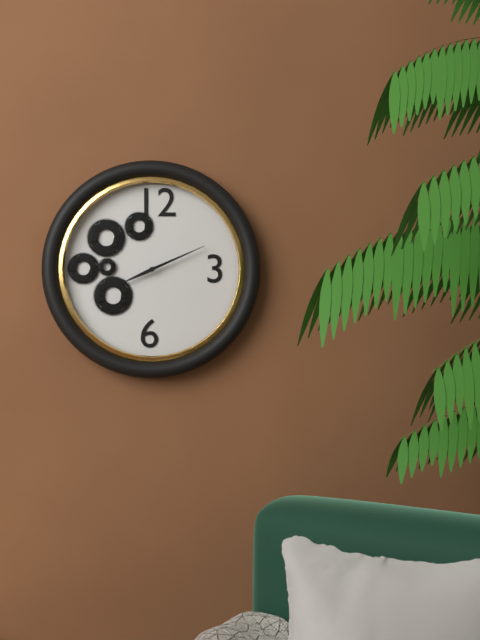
**8:11**
